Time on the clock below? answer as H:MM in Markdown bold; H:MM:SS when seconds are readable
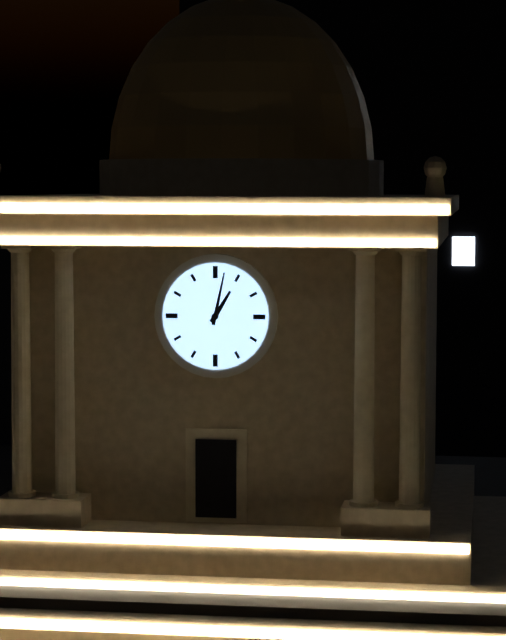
**1:02**
